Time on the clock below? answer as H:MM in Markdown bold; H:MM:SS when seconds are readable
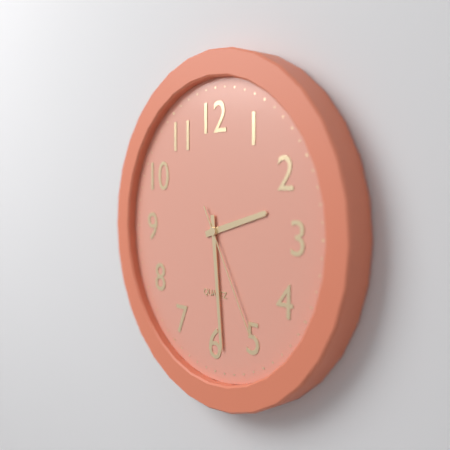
**2:29:25**
